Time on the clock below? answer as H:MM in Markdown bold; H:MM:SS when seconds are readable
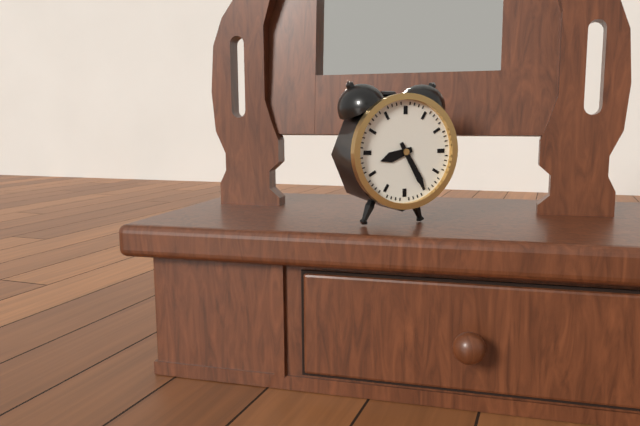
**8:25**
